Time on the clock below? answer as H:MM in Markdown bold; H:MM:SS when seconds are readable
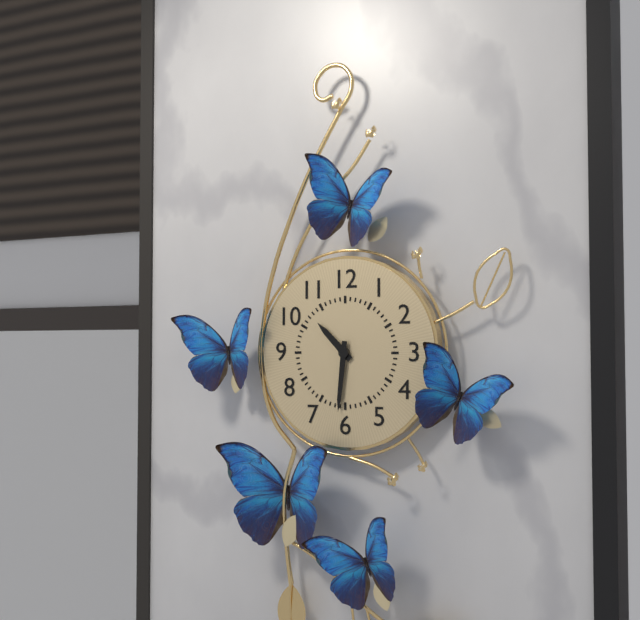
**10:31**
